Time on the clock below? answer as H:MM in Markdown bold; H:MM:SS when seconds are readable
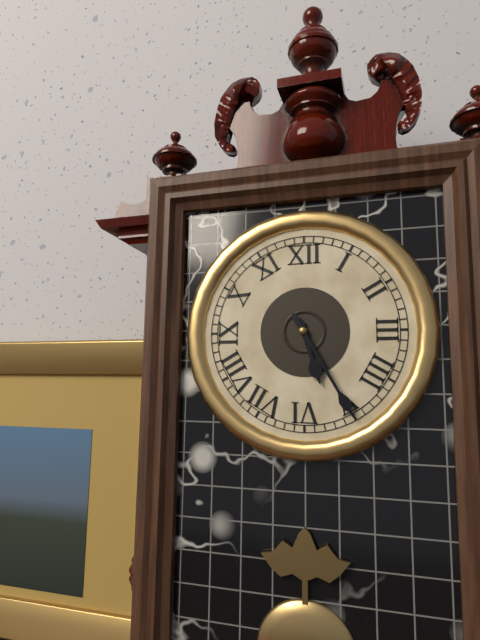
**5:25**
